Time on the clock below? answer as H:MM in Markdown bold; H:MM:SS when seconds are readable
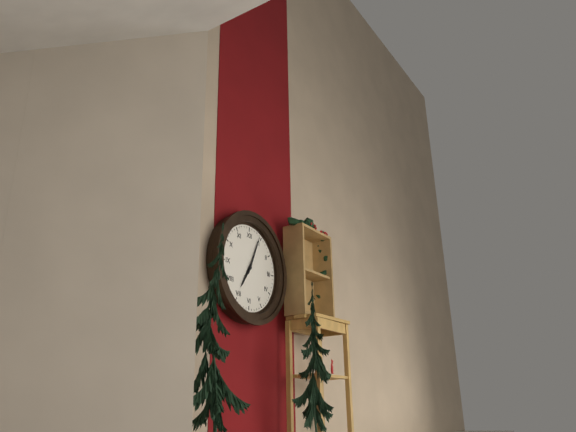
**7:04**
